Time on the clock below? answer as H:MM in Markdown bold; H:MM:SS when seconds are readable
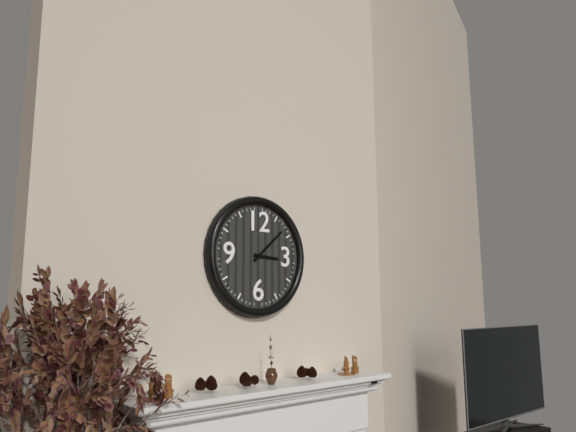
**3:08**
